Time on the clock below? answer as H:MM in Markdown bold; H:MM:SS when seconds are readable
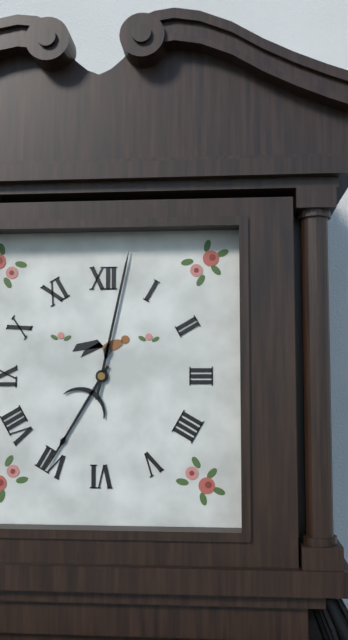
**7:02**
